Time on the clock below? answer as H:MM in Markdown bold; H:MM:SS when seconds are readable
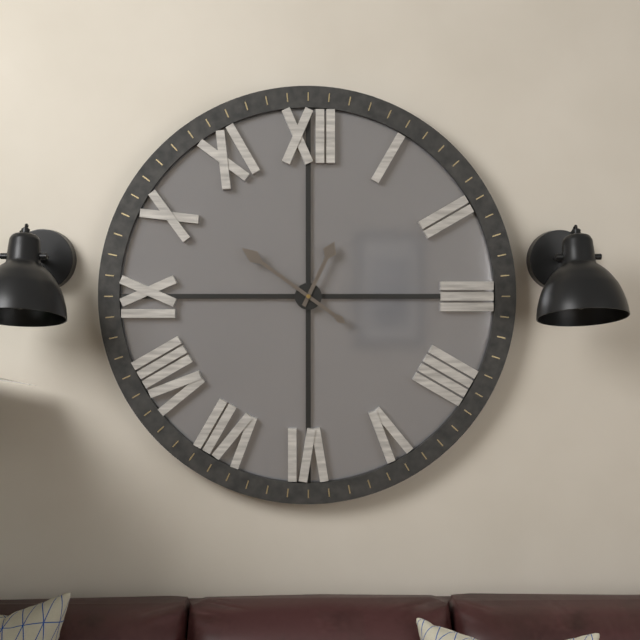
**12:51**
